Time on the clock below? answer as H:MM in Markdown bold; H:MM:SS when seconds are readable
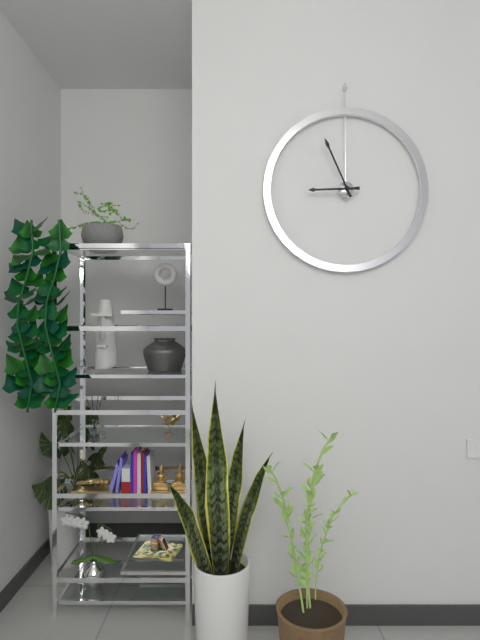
**8:56**
